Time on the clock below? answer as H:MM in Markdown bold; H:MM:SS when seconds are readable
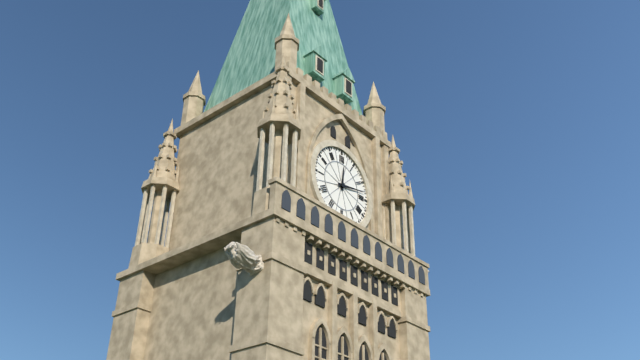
**12:13**
